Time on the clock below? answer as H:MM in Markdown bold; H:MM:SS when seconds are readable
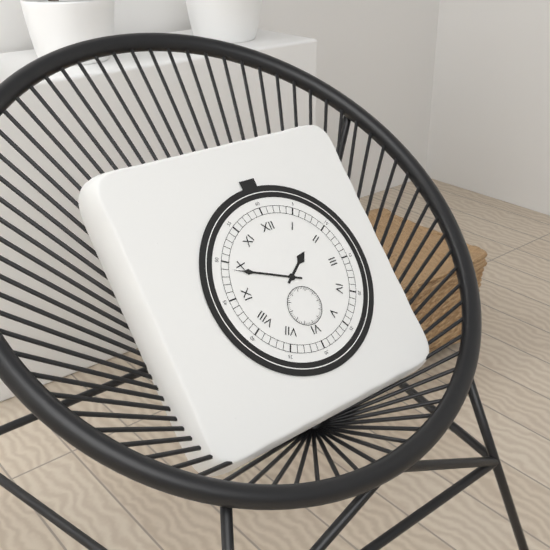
**1:49**
